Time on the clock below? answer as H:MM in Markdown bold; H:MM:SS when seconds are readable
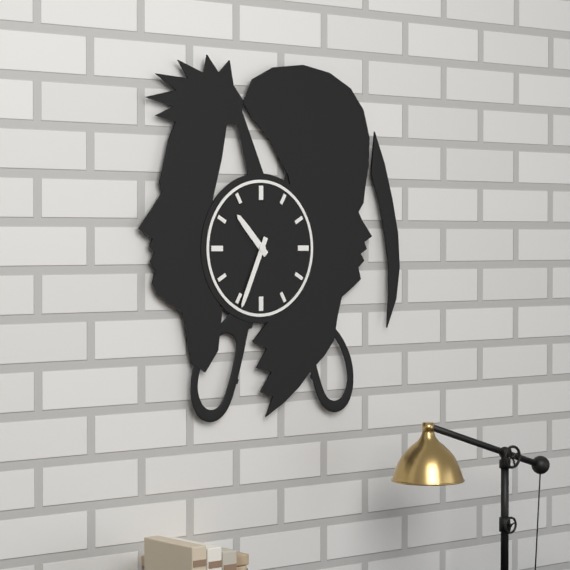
**10:34**
